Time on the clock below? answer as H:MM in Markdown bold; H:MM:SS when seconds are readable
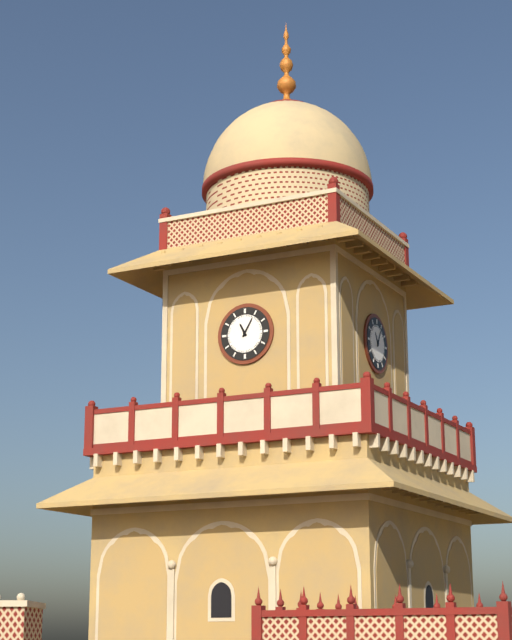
**11:05**
